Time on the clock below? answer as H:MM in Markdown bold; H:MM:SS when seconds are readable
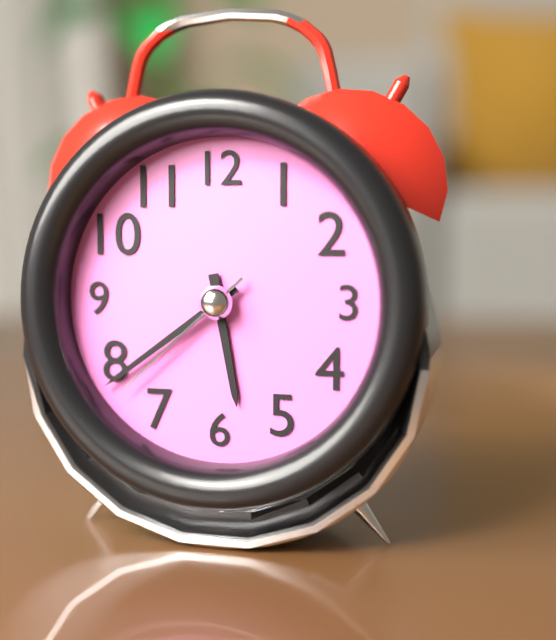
**5:39:38**
